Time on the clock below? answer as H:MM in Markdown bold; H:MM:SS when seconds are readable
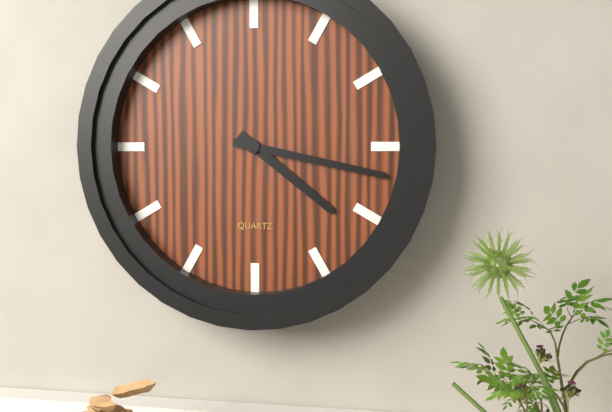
**4:17**
